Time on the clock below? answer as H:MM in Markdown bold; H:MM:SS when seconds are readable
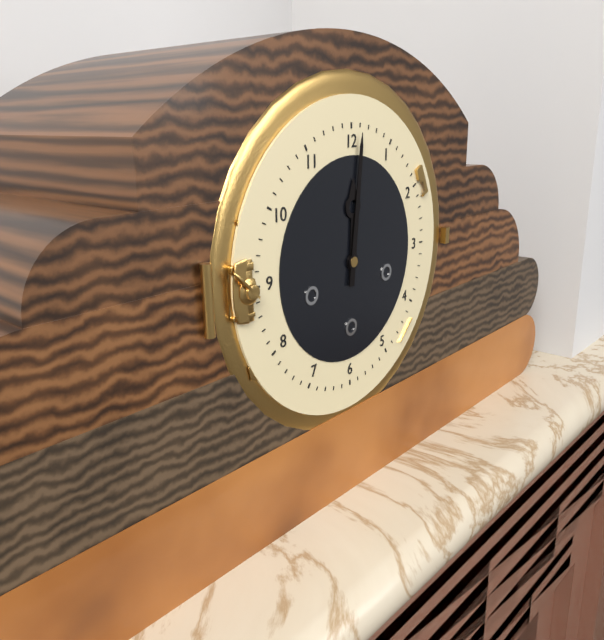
**12:01**
